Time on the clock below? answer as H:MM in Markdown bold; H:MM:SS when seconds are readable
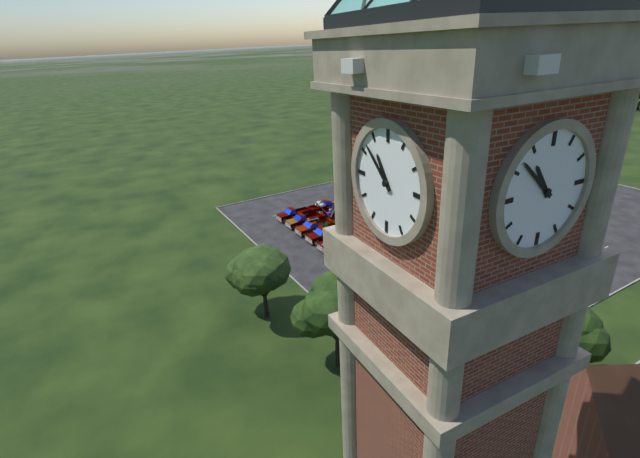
**10:52**
